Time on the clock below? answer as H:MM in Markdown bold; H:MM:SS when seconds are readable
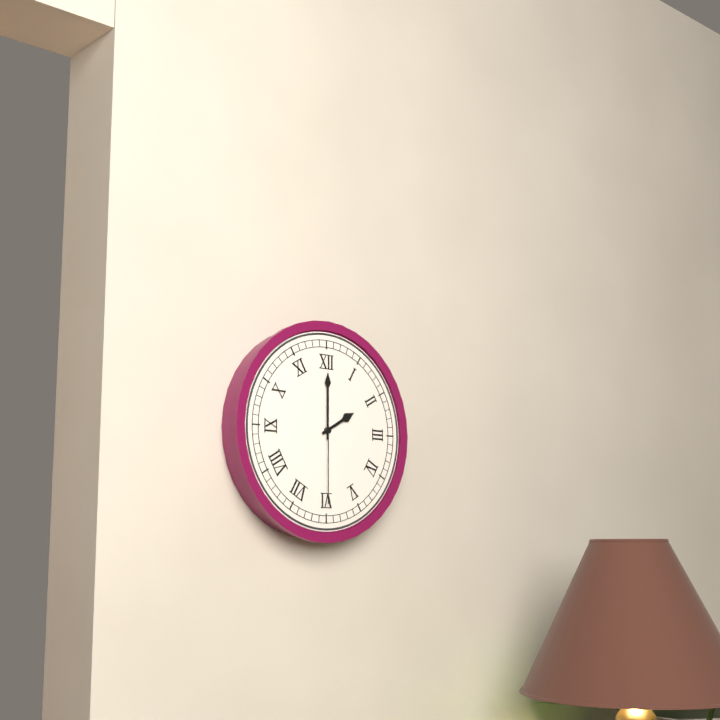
**2:00:30**
